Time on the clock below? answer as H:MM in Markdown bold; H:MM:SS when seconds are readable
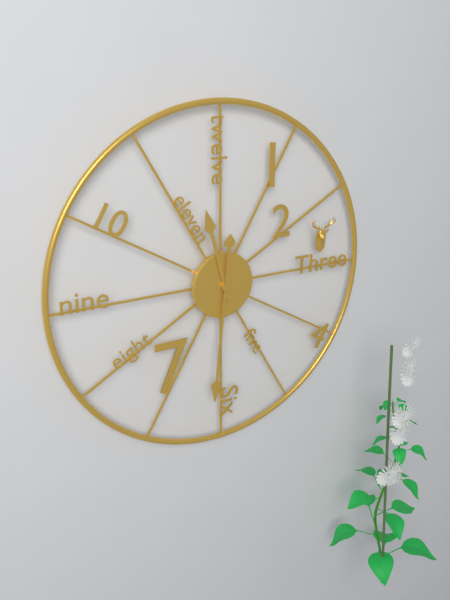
**11:31**
